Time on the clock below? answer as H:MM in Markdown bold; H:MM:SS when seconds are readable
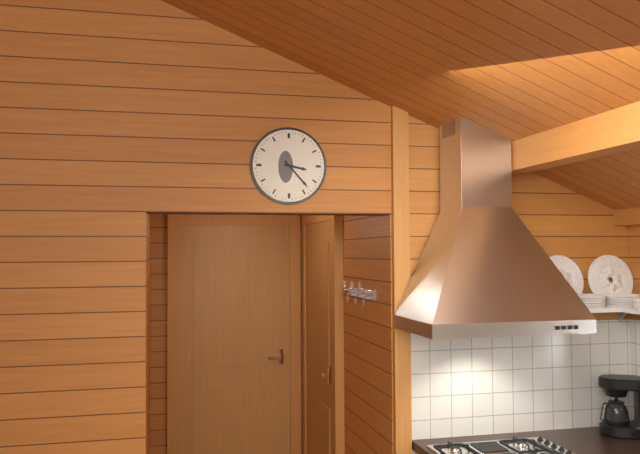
**3:23**
